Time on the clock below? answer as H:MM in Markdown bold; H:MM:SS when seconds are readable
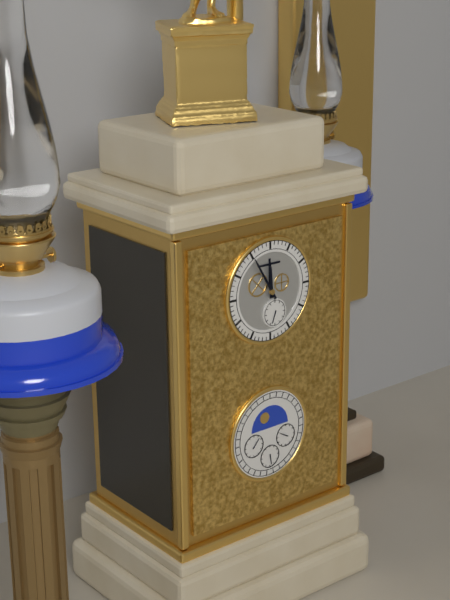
**11:55**
